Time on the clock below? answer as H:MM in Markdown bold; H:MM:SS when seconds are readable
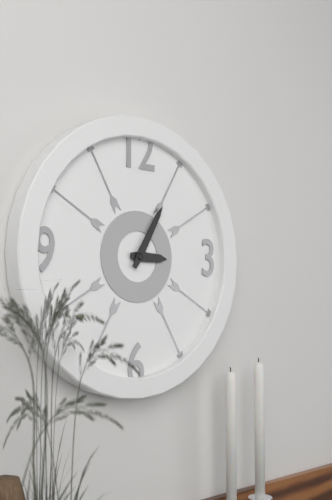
**3:05**
